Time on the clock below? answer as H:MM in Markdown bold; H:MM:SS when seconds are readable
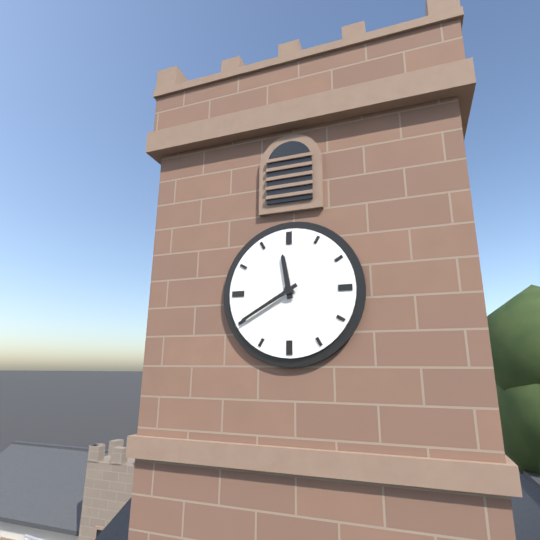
**11:40**
